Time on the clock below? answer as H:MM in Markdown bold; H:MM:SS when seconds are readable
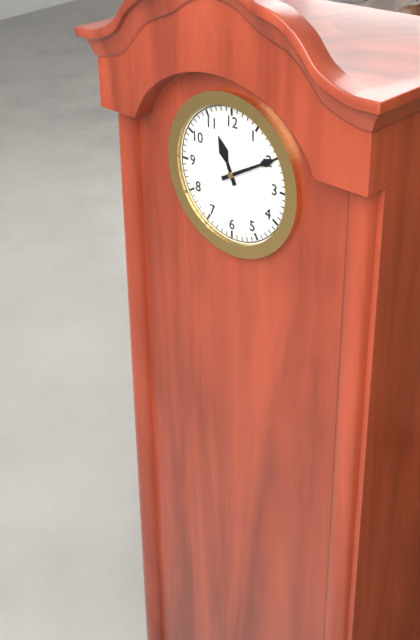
**11:10**
